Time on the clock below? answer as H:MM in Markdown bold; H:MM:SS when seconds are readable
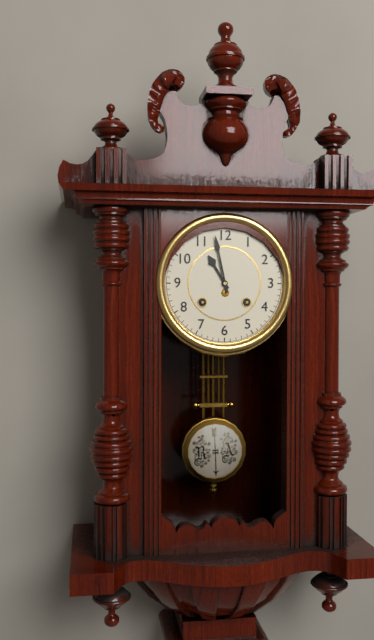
**10:58**
